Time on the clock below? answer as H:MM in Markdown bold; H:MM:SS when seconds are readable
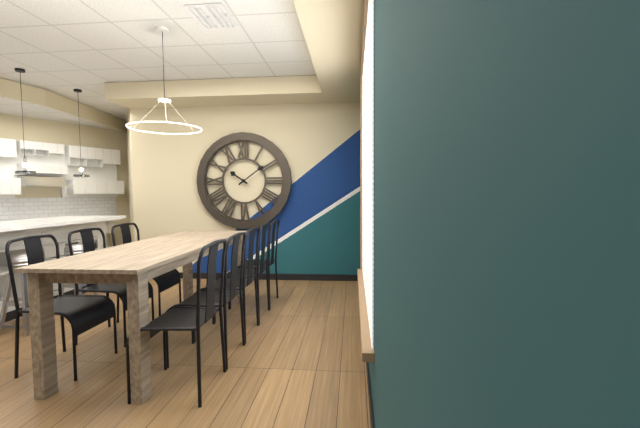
**10:09**
